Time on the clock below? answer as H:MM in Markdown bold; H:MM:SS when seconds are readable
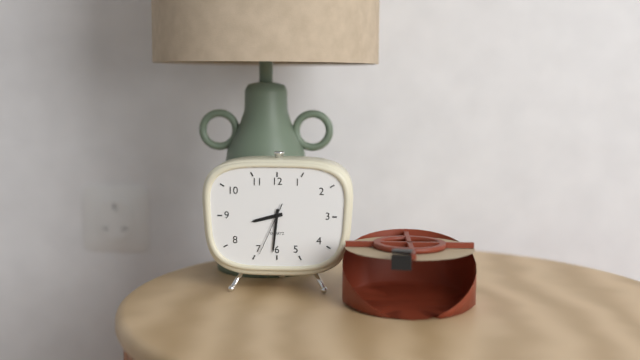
**8:31:34**
